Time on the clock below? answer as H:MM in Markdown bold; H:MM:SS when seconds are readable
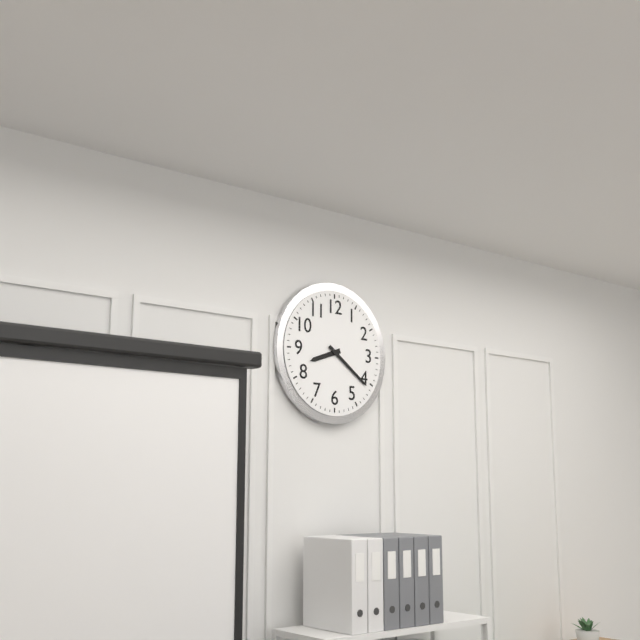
**8:21**
